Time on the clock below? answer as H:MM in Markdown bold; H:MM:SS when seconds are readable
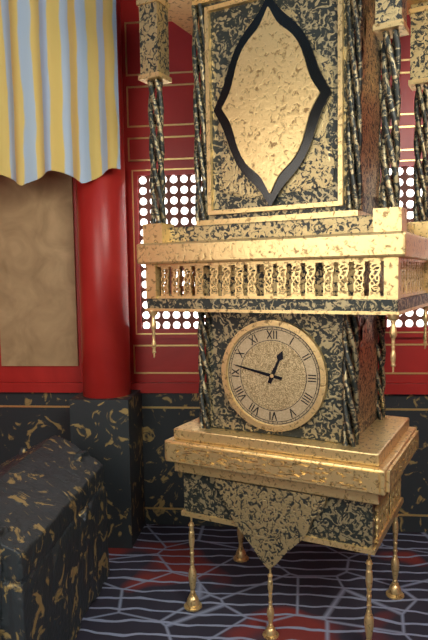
**12:47**
